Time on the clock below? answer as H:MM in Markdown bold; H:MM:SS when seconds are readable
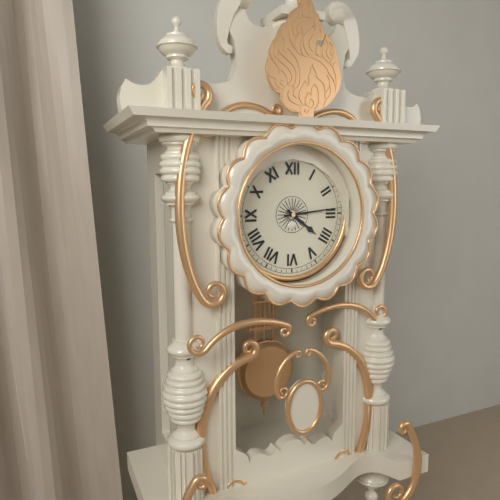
**4:14**
